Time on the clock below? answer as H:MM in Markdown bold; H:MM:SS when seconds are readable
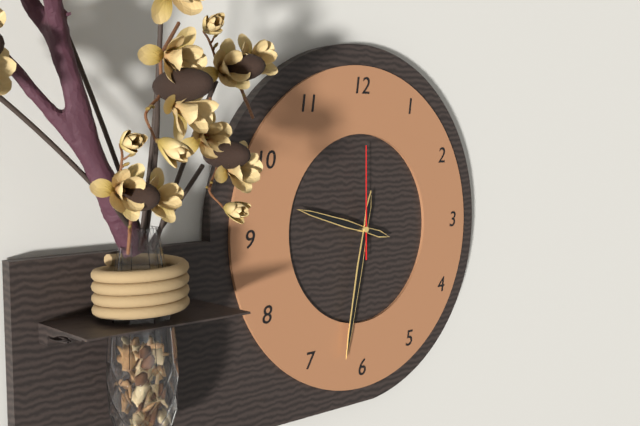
**9:32:00**
